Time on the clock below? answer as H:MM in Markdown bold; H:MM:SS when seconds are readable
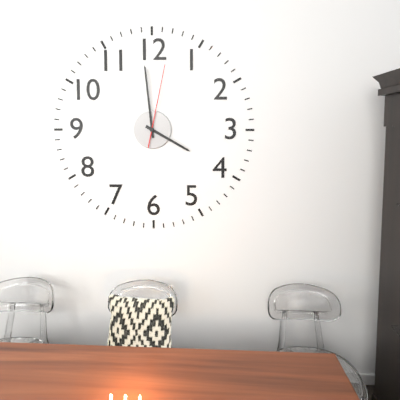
**3:59:02**
